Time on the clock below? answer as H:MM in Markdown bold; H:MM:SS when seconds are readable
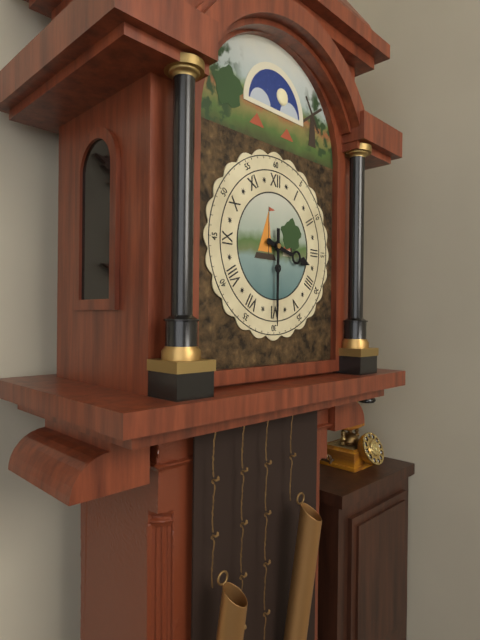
**3:30**
